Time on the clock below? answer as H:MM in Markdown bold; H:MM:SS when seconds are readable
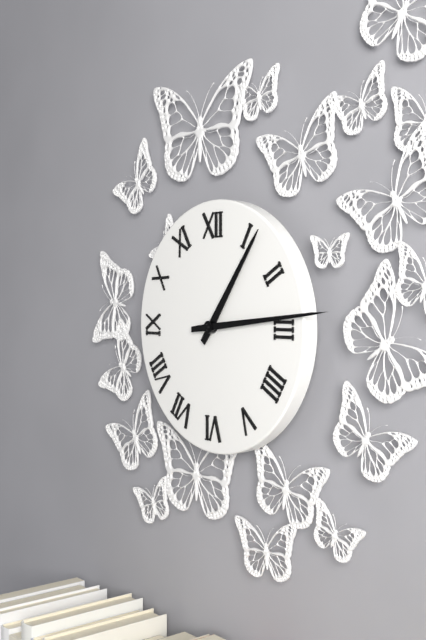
**1:14**
